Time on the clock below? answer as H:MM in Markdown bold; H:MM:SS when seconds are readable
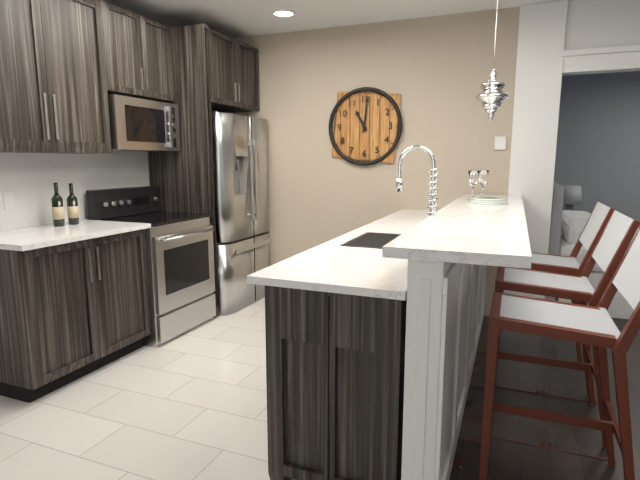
**11:01**
